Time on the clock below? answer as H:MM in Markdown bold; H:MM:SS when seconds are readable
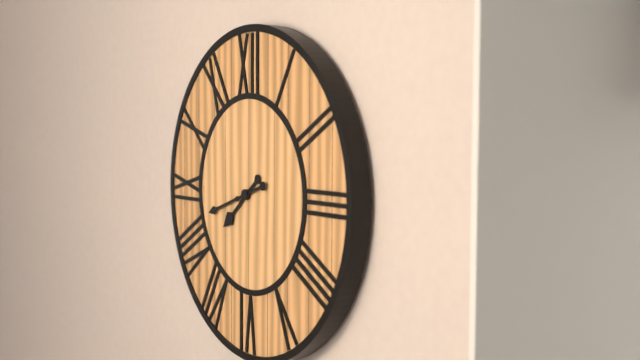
**7:42**
